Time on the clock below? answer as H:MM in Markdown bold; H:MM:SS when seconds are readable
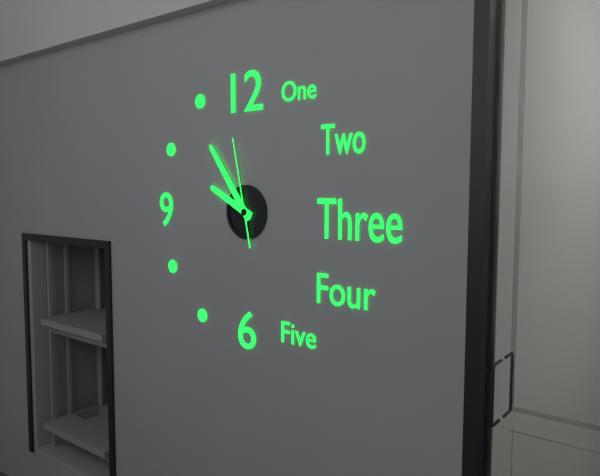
**9:54:58**
